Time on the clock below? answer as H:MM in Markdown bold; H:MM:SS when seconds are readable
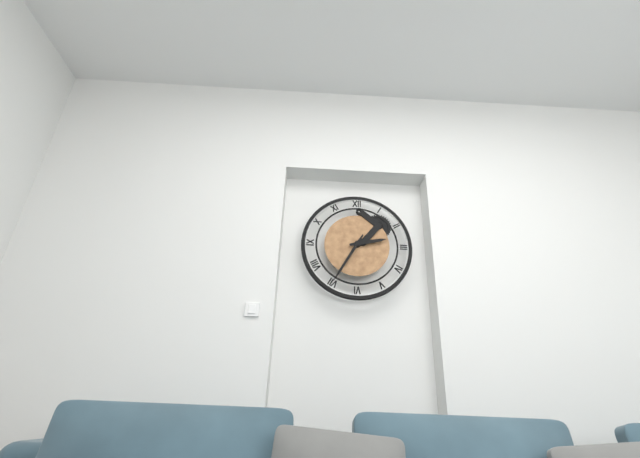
**2:35**
